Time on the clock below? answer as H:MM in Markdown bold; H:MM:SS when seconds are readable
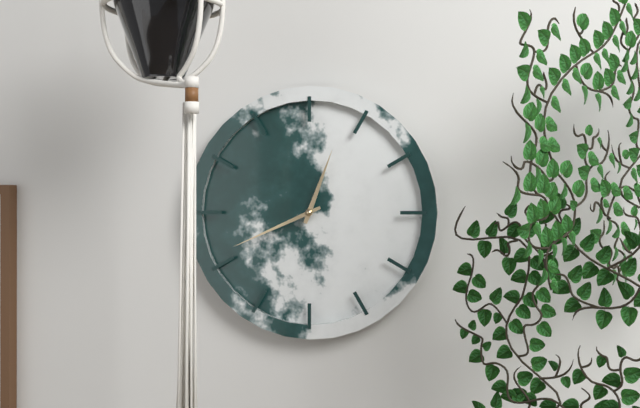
**12:41**
